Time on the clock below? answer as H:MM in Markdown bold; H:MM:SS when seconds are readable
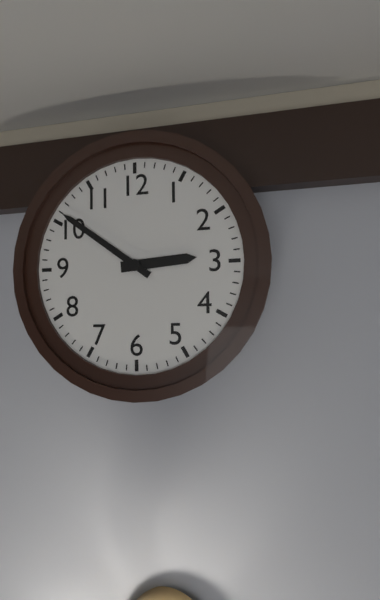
**2:51**
